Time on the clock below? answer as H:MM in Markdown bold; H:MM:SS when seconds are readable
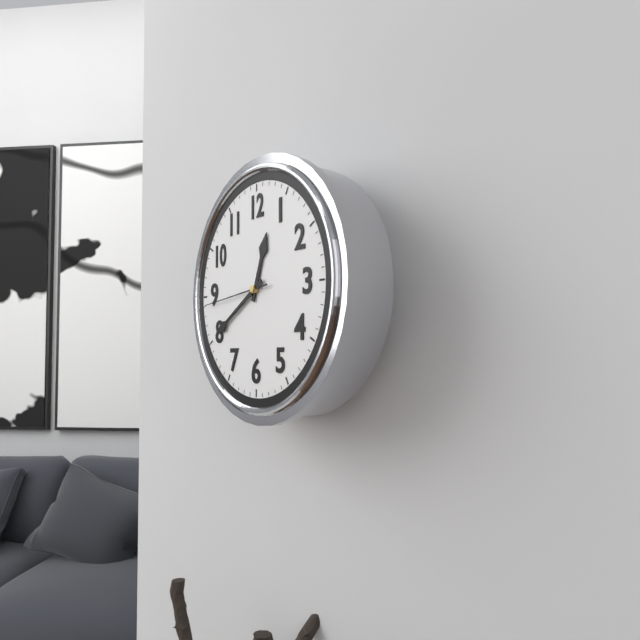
**12:40:44**
